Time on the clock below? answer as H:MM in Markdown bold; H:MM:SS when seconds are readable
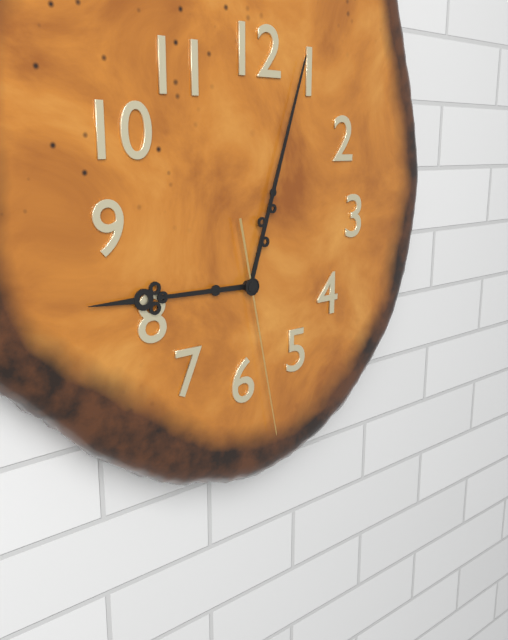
**9:03:28**
